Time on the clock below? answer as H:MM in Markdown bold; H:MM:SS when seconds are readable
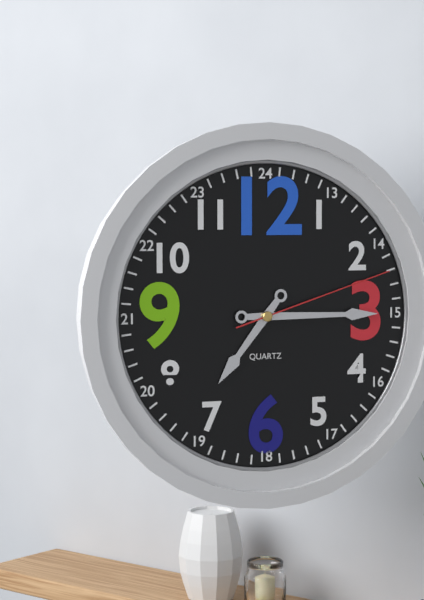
**7:15:12**
